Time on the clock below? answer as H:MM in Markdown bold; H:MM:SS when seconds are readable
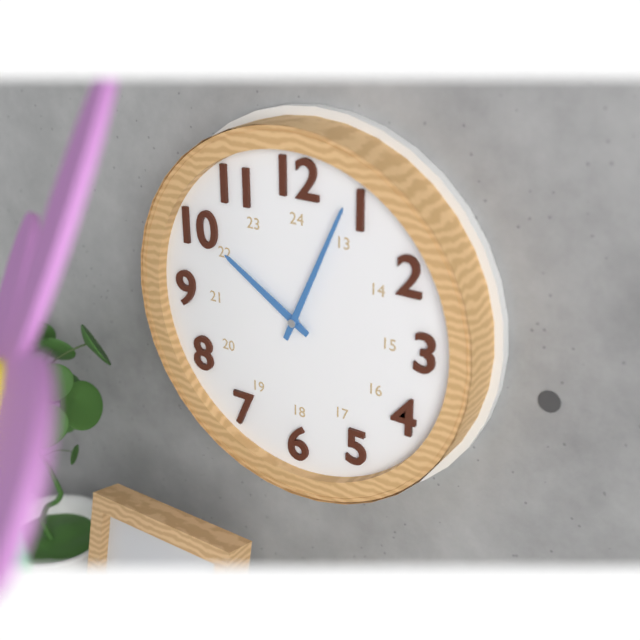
**10:04**
